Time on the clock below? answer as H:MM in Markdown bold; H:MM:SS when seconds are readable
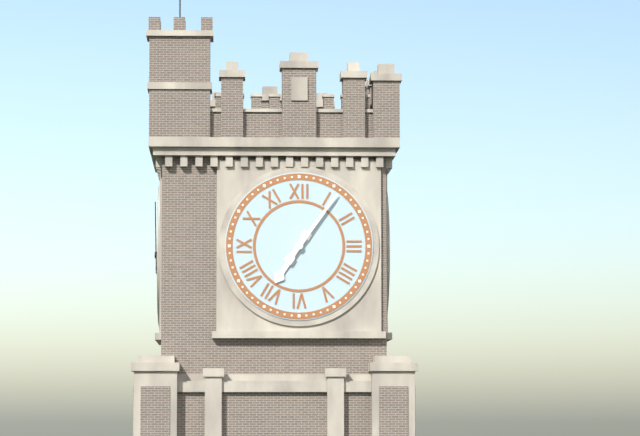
**7:06**
